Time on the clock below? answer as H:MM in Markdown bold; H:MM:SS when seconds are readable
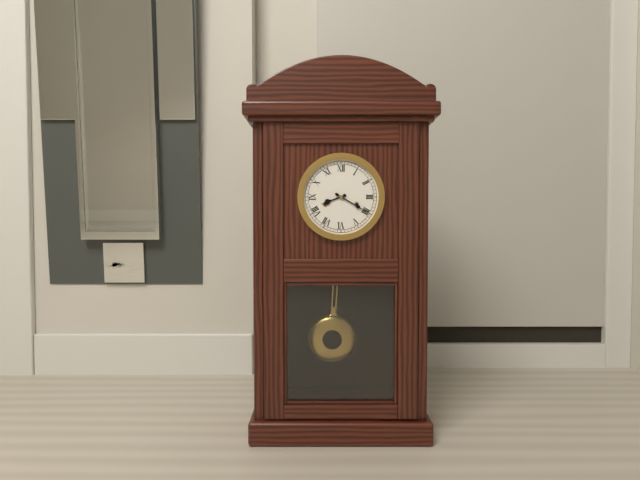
**8:20**
